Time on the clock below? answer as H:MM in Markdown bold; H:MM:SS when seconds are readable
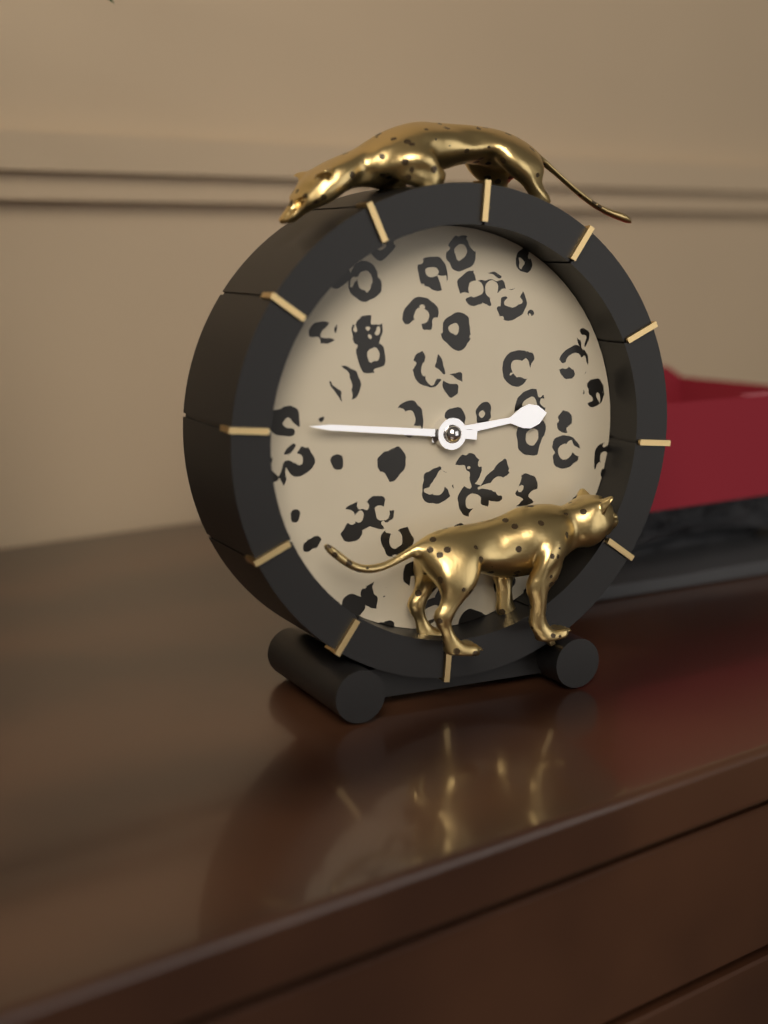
**2:46**
